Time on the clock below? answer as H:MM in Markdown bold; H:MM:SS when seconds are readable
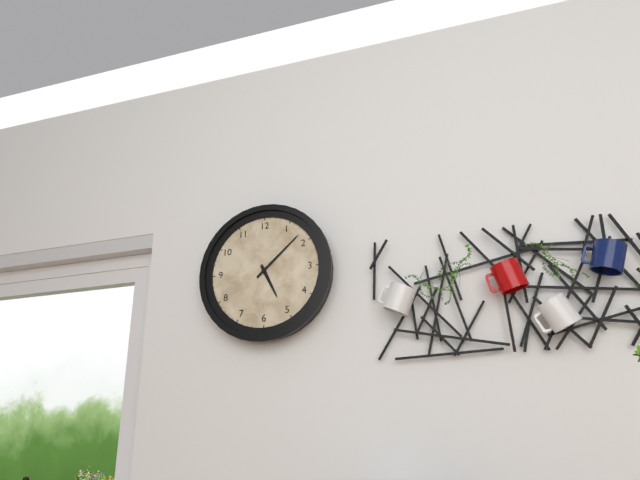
**5:08**
